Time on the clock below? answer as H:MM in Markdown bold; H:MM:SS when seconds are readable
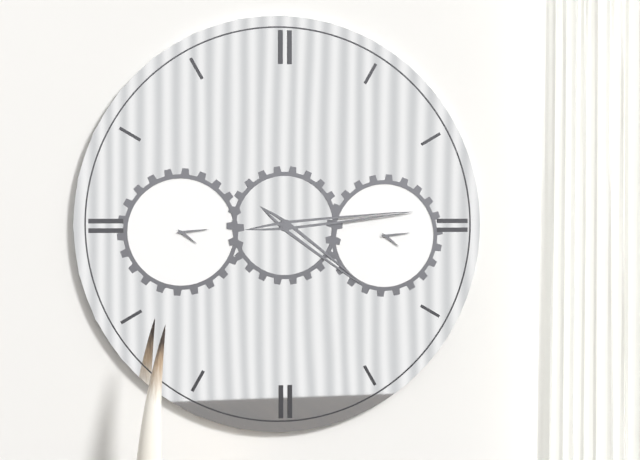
**4:14**
